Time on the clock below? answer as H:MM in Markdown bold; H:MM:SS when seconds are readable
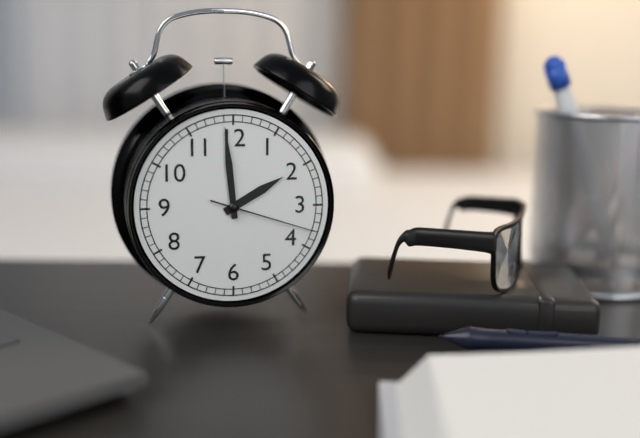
**1:59:18**
